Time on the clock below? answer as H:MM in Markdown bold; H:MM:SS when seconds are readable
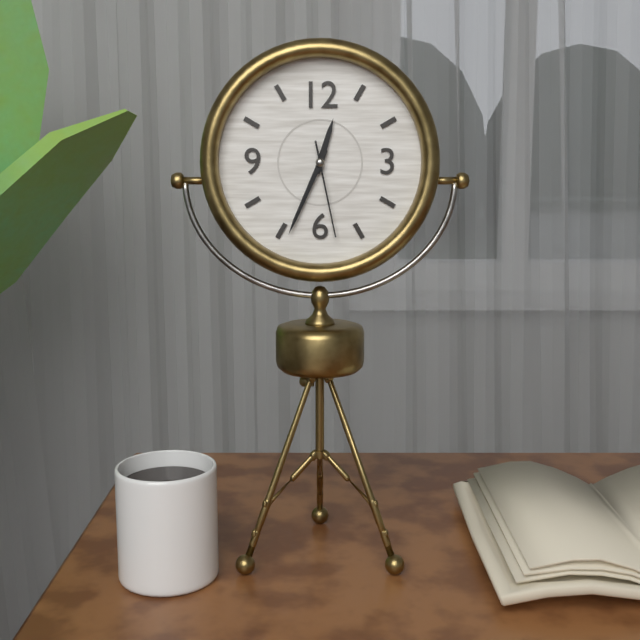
**12:34:28**
